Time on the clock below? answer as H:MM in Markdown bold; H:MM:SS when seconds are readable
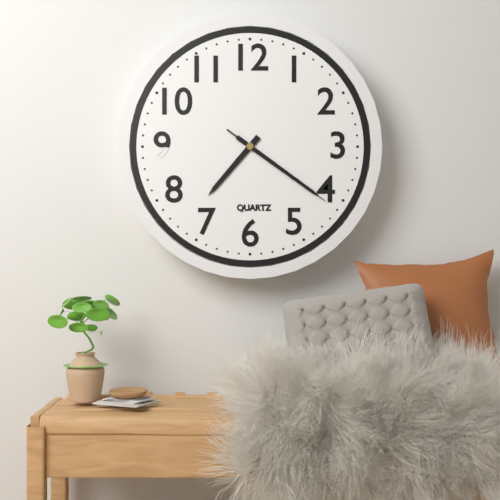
**7:21:21**
